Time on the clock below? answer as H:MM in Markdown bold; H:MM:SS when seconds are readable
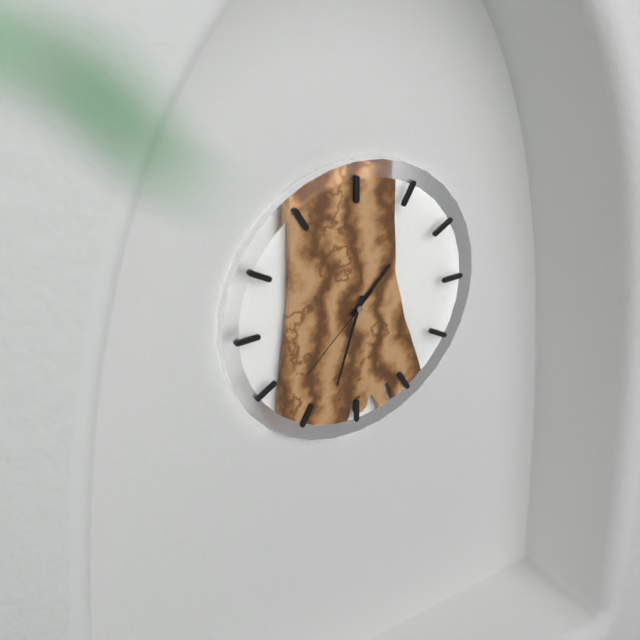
**1:33:38**
